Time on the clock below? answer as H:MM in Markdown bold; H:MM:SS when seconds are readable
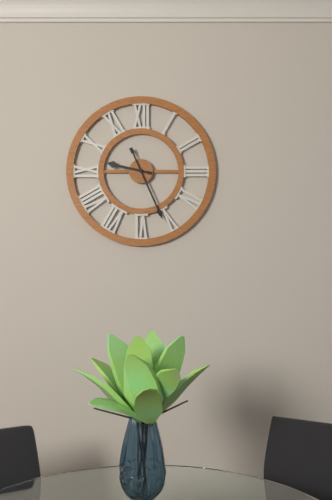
**9:26**
